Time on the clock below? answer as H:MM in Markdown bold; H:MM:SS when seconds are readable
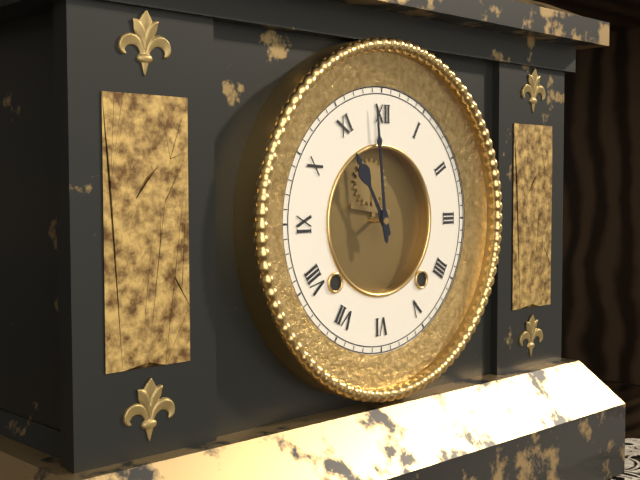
**10:59**
